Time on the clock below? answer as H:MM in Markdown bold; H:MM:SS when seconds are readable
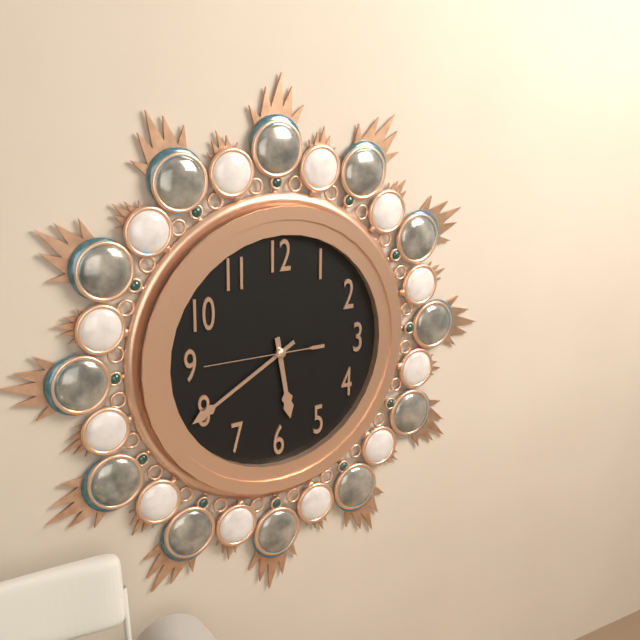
**5:40:45**
